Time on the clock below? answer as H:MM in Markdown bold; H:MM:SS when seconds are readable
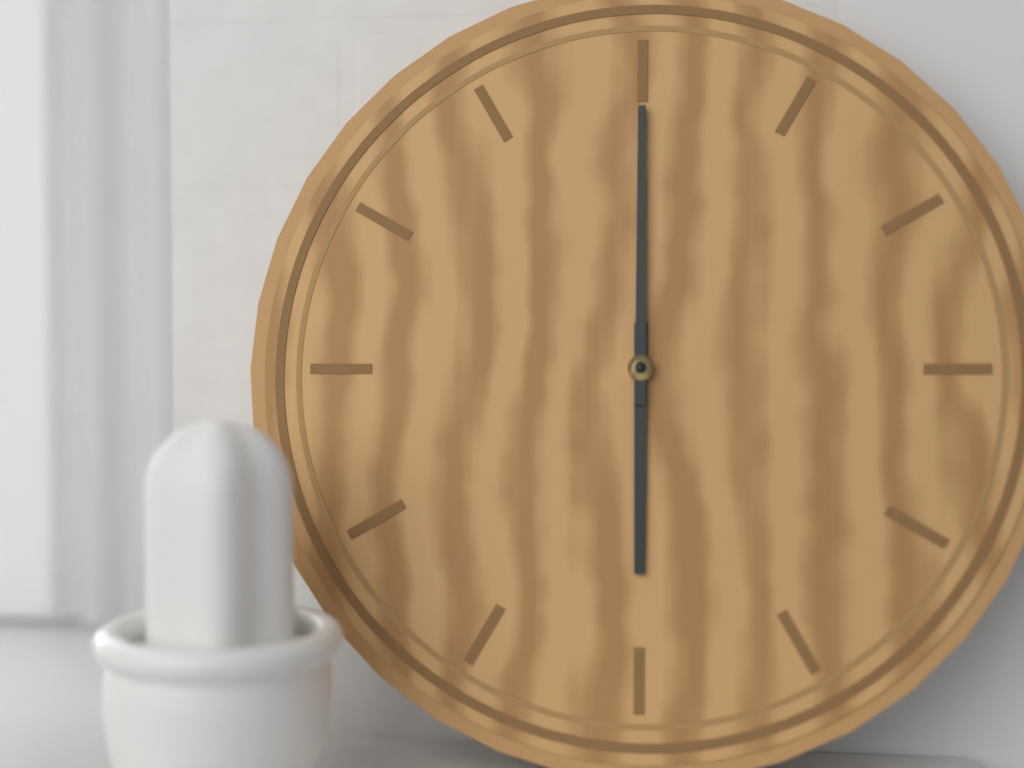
**6:00**
